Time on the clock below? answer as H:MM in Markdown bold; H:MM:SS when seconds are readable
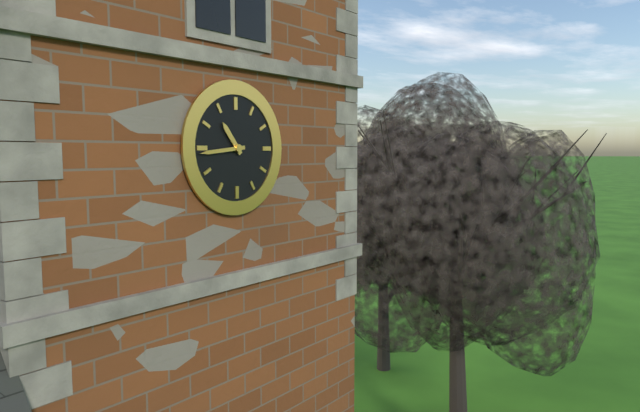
**10:44**
